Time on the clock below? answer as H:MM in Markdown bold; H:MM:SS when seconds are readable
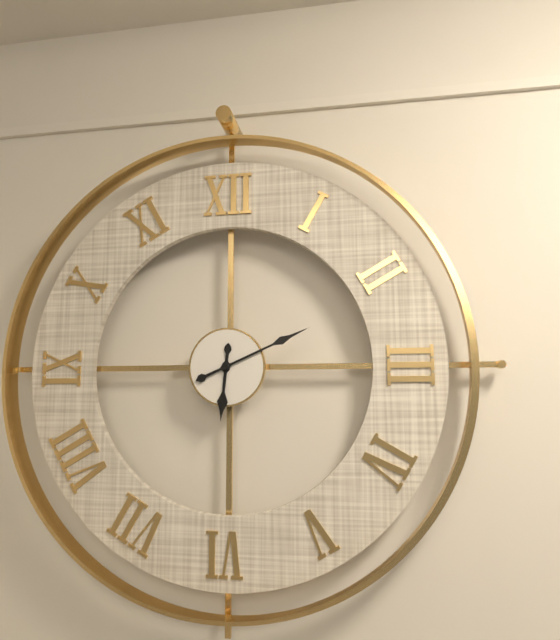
**6:11**
